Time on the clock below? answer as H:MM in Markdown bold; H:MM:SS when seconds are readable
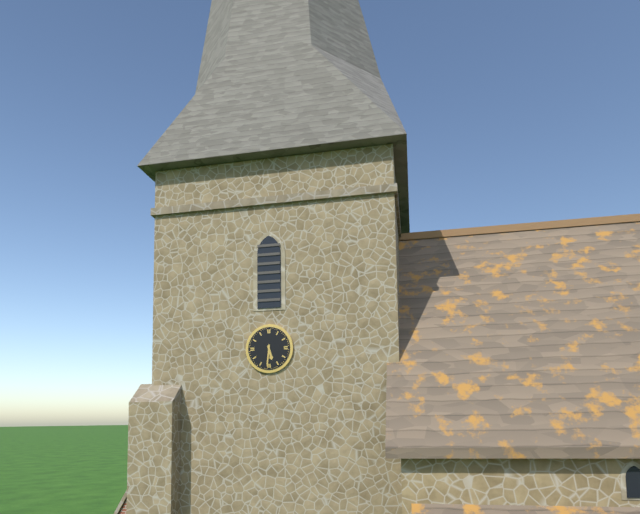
**5:31**
